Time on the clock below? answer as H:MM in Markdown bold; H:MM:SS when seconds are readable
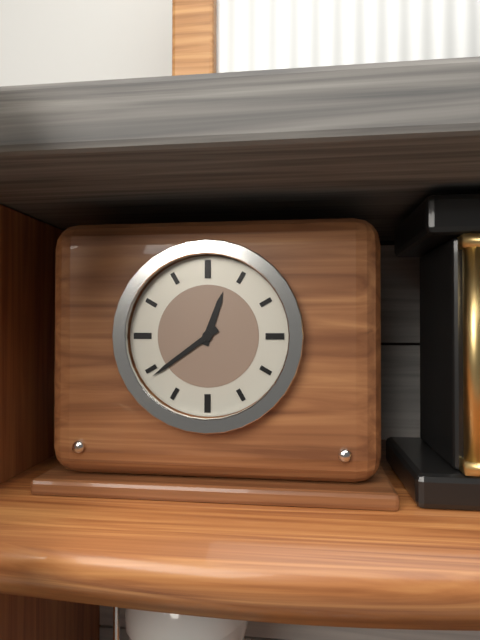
**12:39**
